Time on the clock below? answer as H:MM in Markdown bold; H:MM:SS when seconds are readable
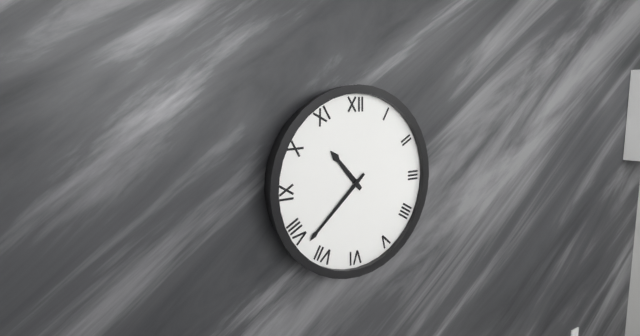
**10:38**
